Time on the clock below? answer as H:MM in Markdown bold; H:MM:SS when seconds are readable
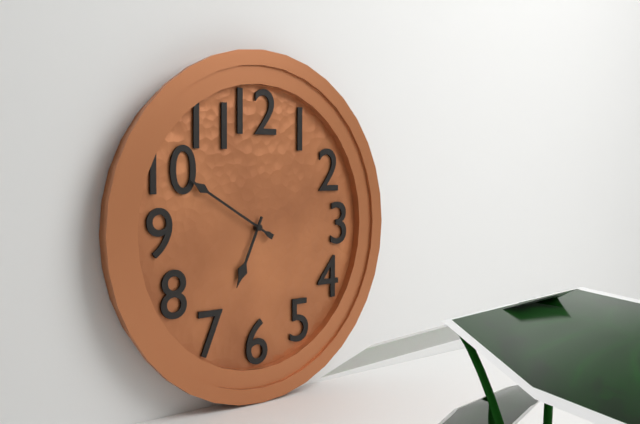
**6:50**
